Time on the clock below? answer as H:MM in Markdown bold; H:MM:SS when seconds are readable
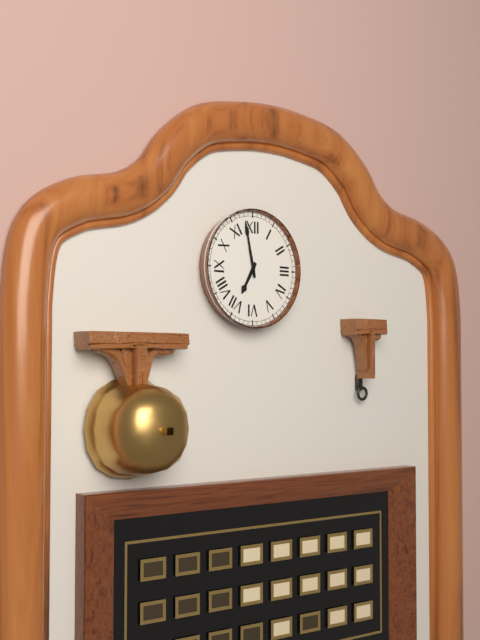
**6:58**
